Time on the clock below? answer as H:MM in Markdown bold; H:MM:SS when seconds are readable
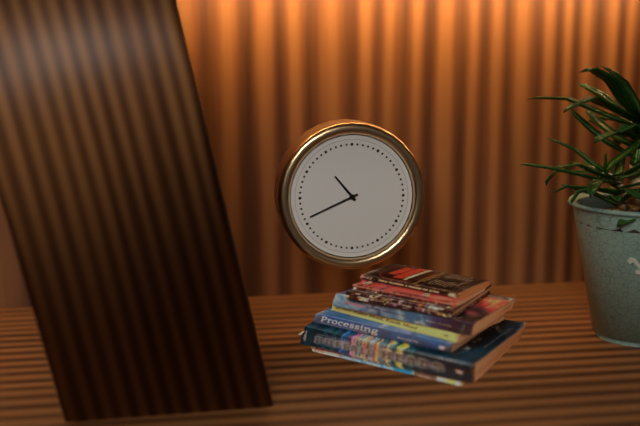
**10:41**
